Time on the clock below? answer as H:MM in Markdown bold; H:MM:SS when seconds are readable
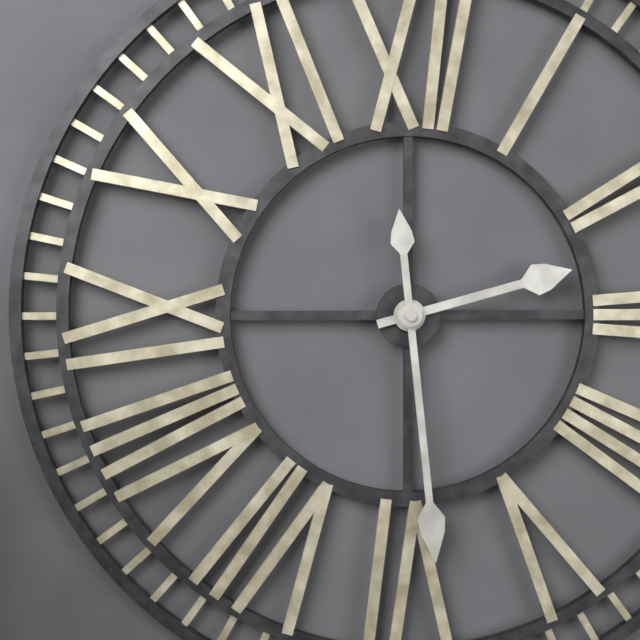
**2:29**
